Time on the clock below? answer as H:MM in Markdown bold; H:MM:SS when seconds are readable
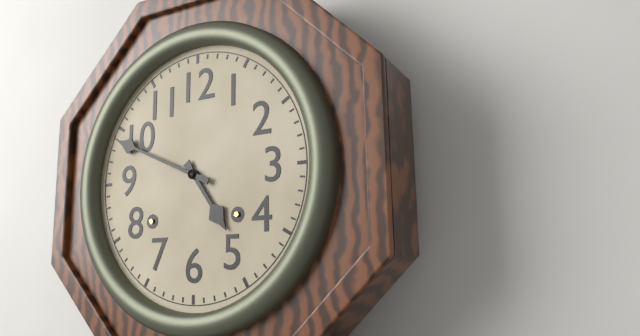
**4:49**
